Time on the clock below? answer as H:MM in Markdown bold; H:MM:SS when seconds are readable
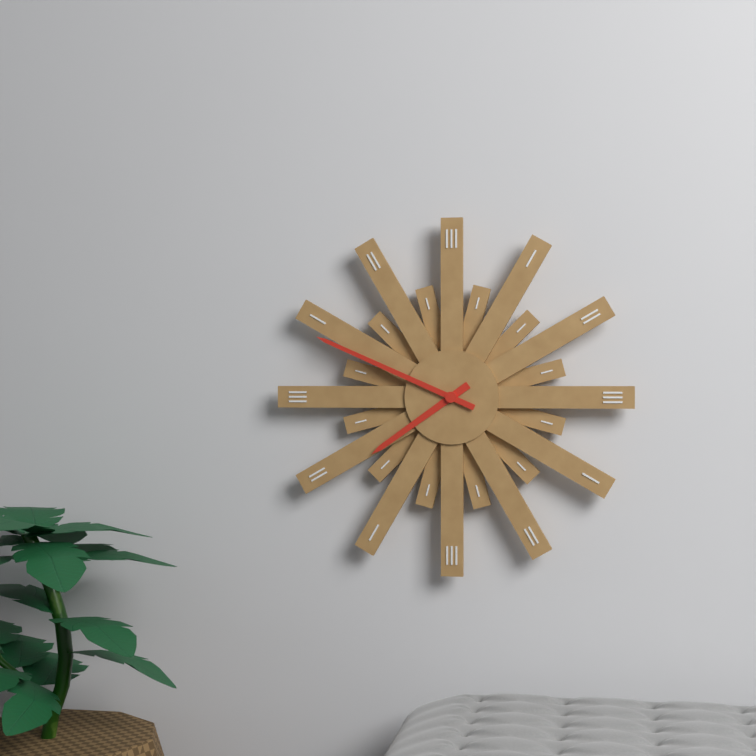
**7:49**
